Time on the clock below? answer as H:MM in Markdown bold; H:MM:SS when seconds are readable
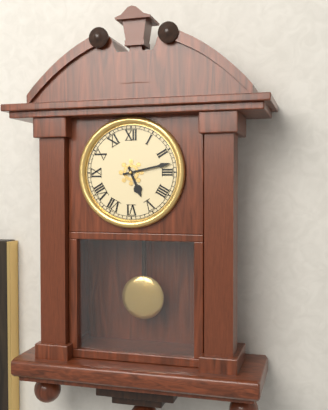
**5:13**
